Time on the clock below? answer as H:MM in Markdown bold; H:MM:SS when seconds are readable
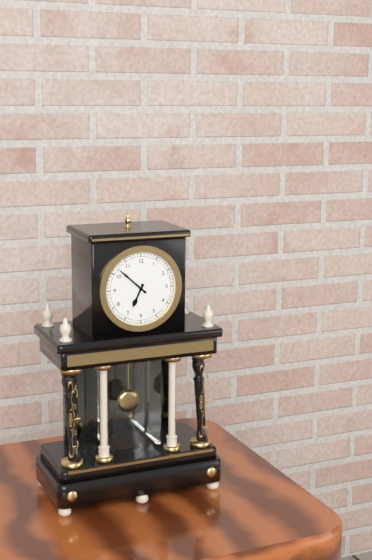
**6:52**
